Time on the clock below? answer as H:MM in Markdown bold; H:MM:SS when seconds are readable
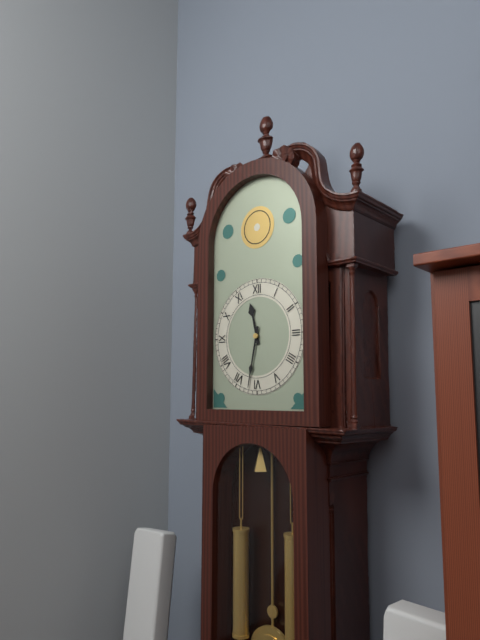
**11:32**
